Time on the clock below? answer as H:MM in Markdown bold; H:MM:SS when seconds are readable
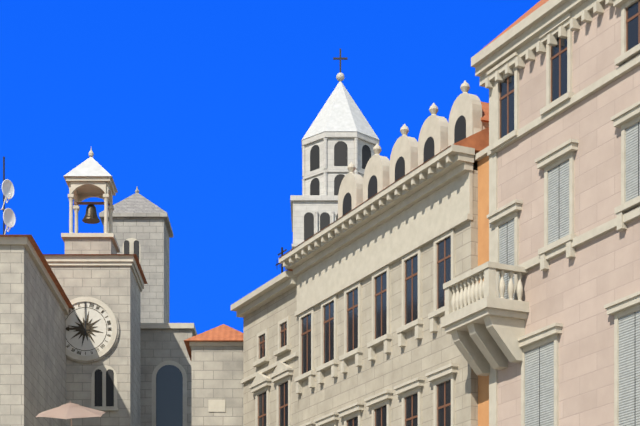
**9:00**
